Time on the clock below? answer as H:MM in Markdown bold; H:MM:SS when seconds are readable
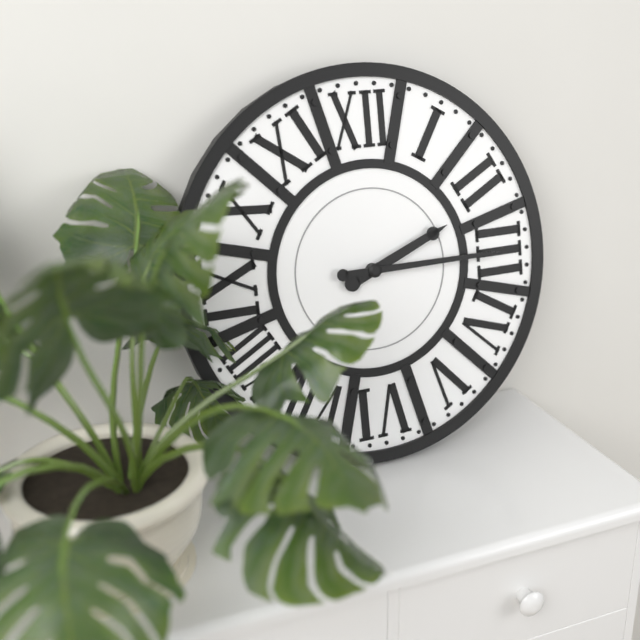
**2:15**
